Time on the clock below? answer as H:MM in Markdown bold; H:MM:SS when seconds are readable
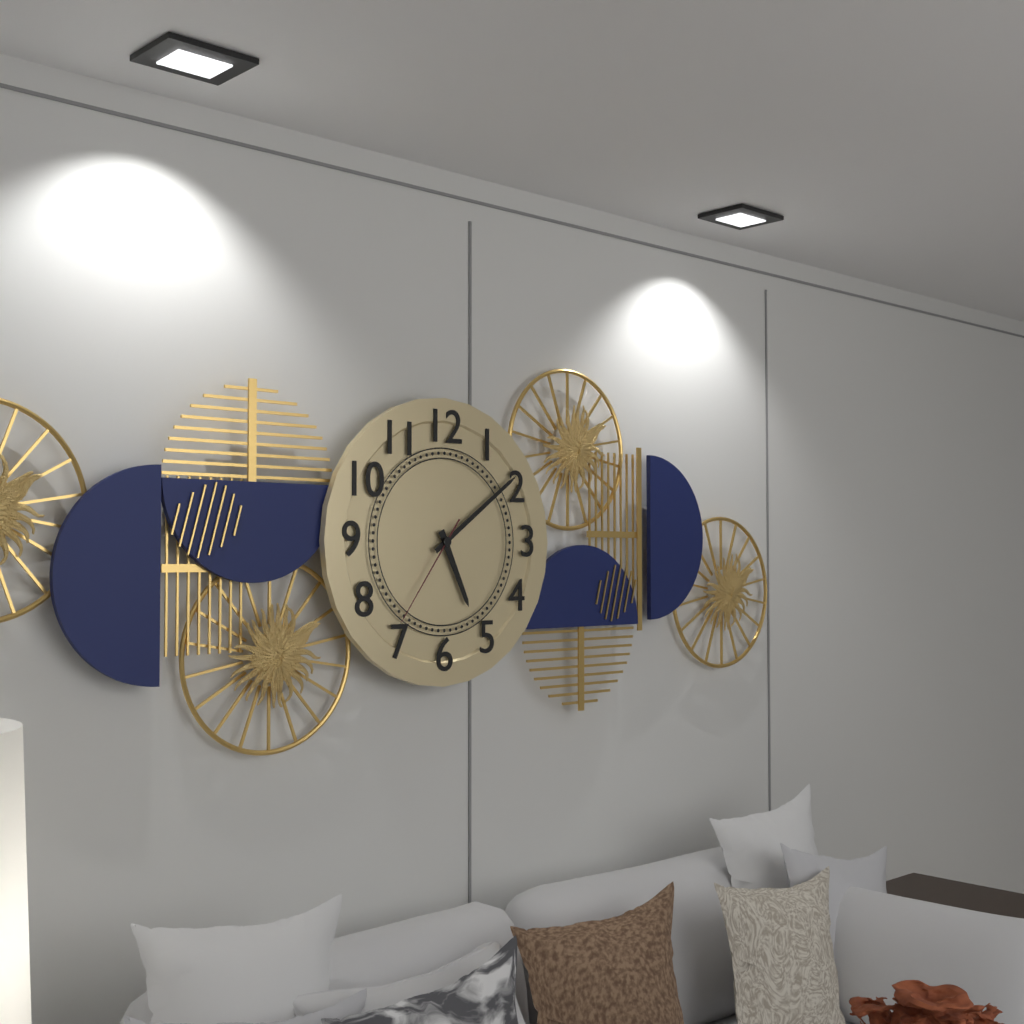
**5:09:36**
